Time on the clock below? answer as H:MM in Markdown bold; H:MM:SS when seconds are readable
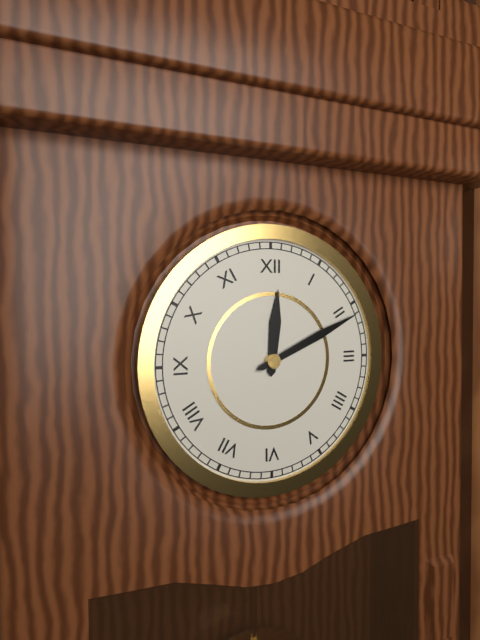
**12:11**
